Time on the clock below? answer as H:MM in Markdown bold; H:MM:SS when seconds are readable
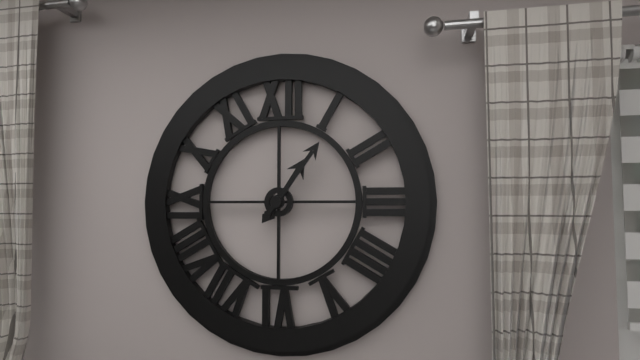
**1:06**
